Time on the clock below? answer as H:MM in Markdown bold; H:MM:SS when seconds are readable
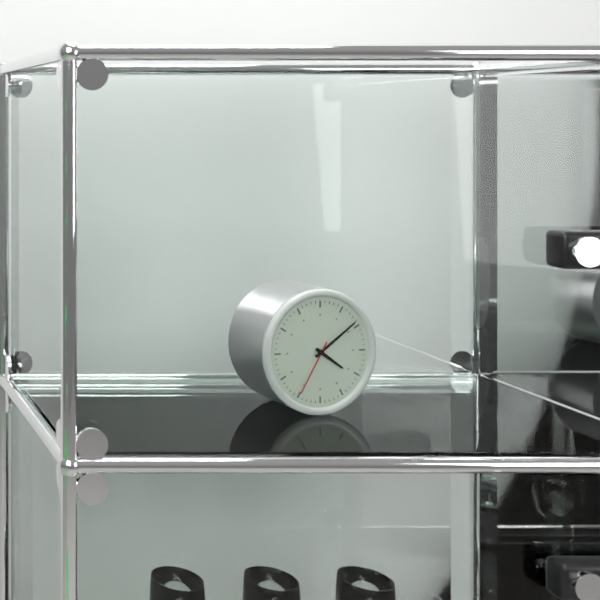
**4:09:35**
